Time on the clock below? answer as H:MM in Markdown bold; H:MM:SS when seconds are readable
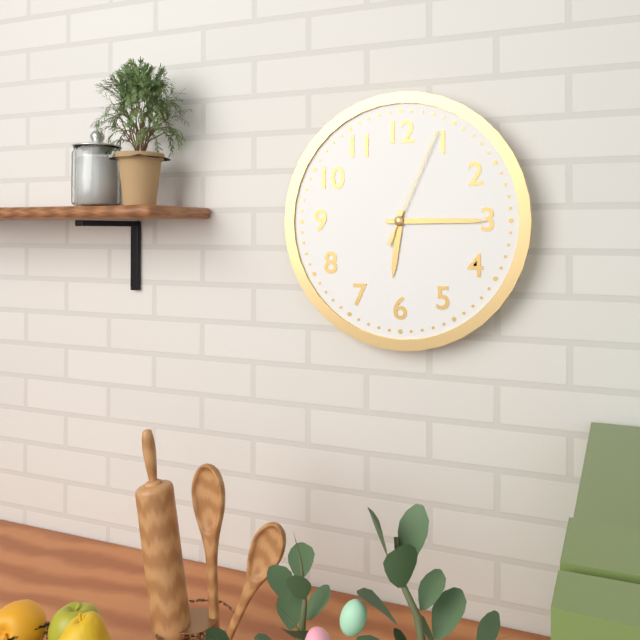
**6:15:04**
